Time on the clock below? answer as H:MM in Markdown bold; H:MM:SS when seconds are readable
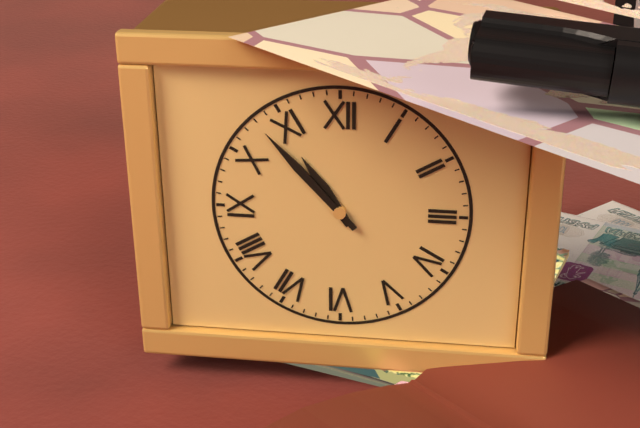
**10:53**
